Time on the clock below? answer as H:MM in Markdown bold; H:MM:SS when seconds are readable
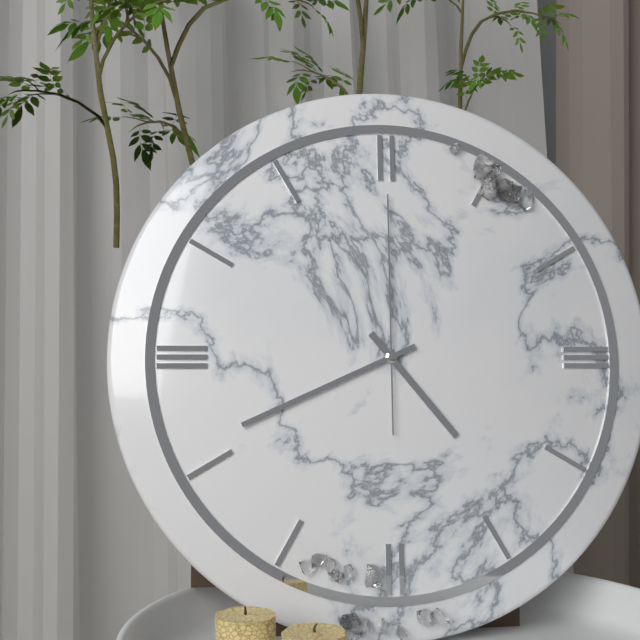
**4:41:00**
